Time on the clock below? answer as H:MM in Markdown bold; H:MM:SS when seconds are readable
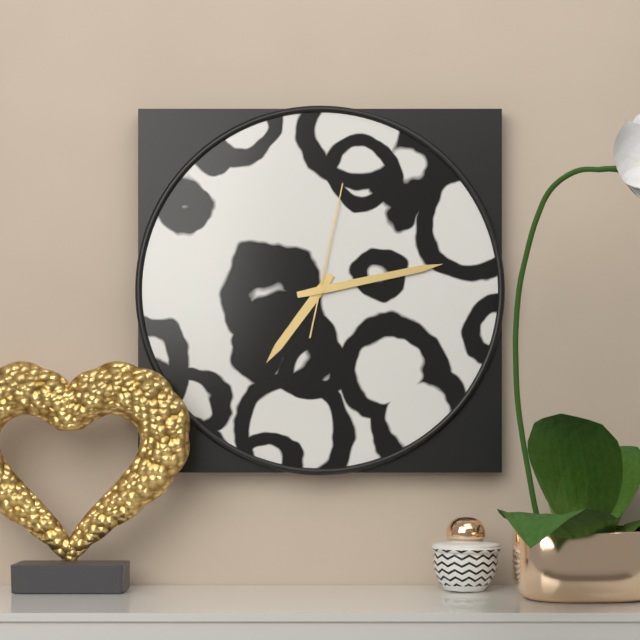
**7:13:02**
